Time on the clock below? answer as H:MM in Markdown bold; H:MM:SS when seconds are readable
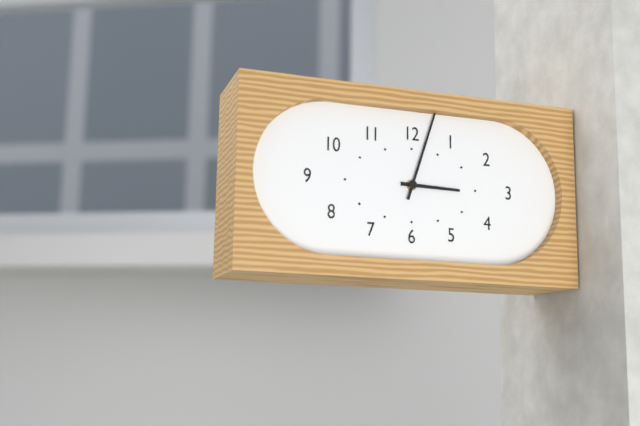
**3:03**
